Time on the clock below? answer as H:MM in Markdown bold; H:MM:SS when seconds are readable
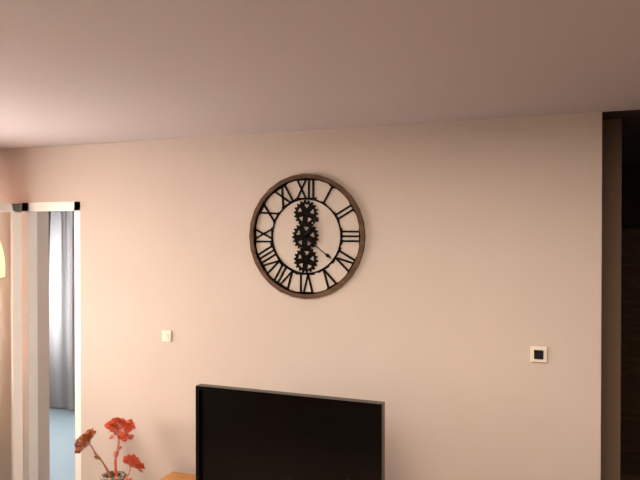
**1:21**
